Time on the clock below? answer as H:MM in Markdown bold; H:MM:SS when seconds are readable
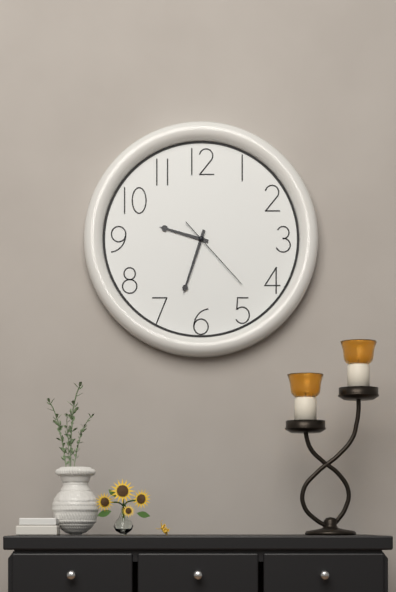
**9:33:23**
